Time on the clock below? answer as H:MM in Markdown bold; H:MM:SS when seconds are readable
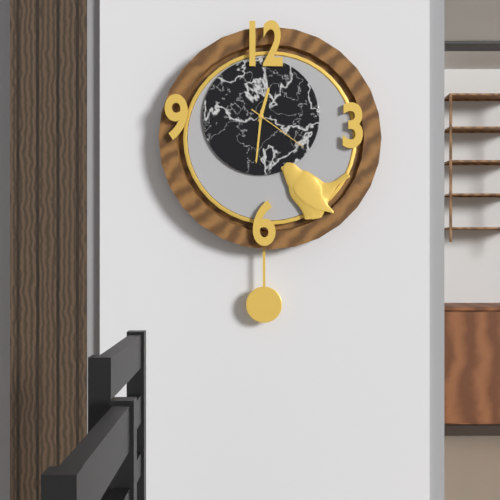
**12:31:21**
